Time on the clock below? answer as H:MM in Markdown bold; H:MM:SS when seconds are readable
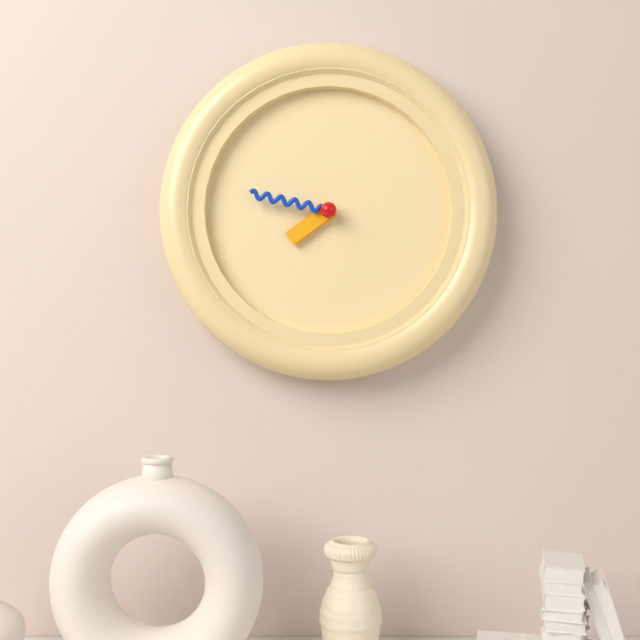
**7:47**
